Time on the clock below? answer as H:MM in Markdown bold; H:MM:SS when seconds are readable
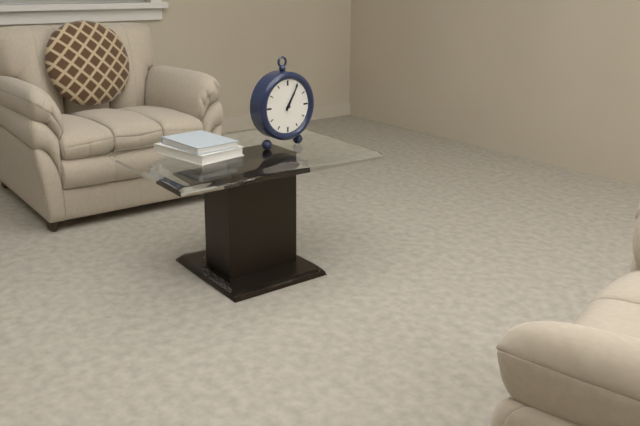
**1:05**
